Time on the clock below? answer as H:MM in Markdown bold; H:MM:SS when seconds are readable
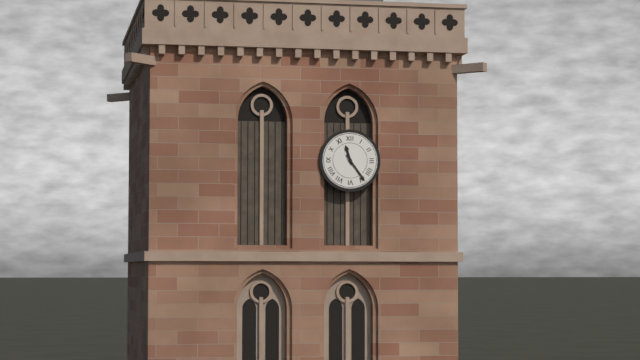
**11:24**
